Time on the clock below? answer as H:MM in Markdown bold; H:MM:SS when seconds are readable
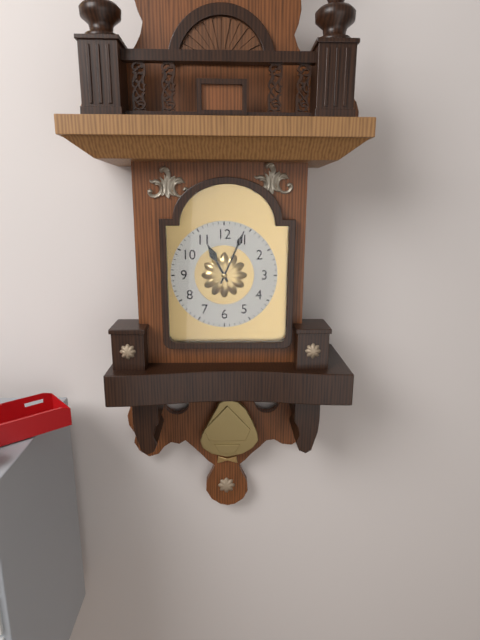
**11:04**
